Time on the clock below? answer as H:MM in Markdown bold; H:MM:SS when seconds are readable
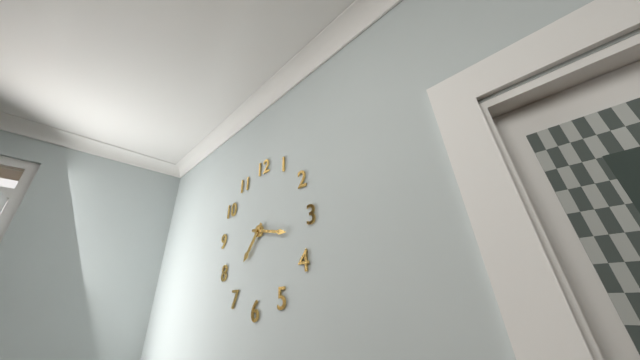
**7:17**
